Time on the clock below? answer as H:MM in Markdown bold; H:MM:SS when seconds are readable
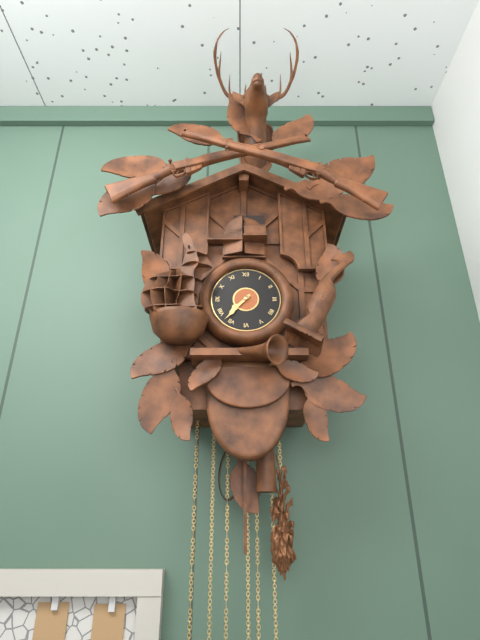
**7:37**
